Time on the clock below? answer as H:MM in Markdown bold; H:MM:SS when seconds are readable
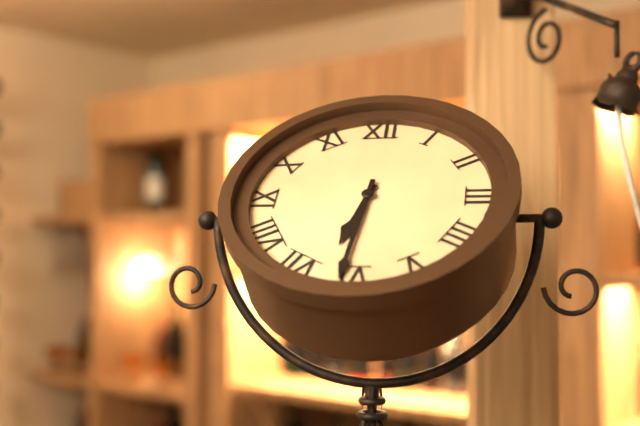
**6:31**
